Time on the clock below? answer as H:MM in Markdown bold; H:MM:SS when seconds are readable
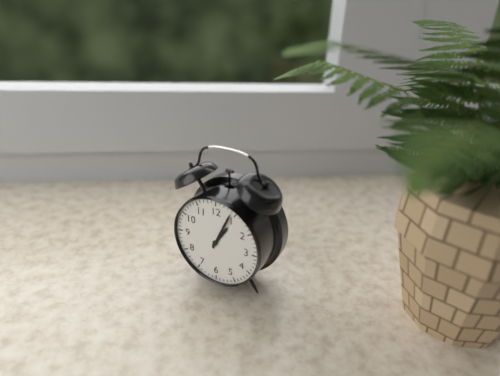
**1:04**
